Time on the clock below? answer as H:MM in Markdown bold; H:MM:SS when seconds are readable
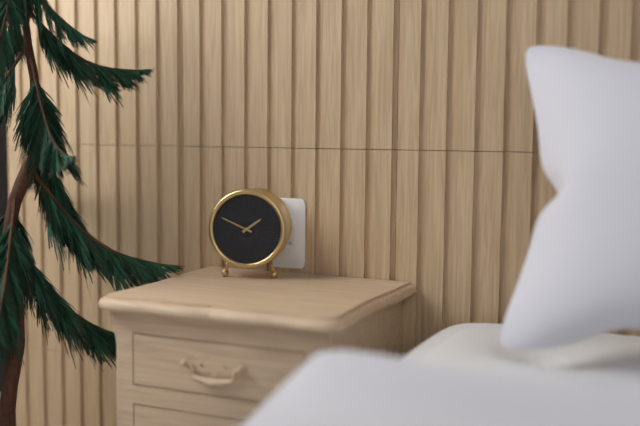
**1:49**
